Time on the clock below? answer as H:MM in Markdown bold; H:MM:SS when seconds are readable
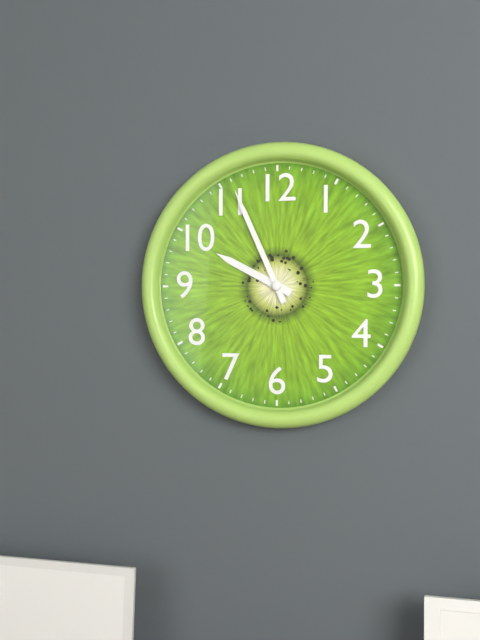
**9:56**
